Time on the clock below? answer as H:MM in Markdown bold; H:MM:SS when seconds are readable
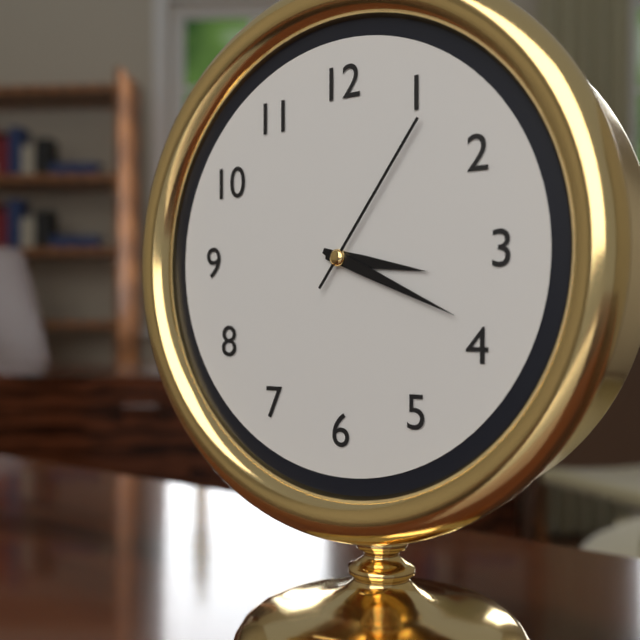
**3:19:06**
